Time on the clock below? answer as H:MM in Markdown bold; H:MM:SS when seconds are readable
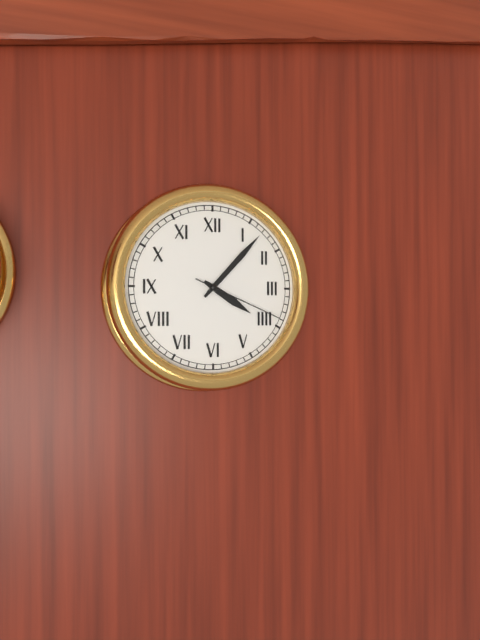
**4:07:19**
